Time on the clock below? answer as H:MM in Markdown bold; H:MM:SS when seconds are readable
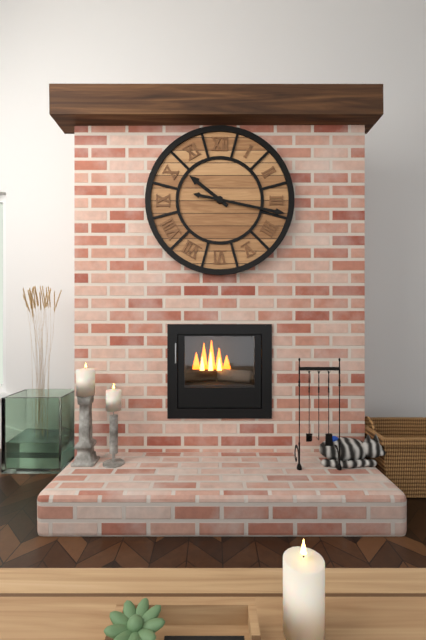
**10:17**
